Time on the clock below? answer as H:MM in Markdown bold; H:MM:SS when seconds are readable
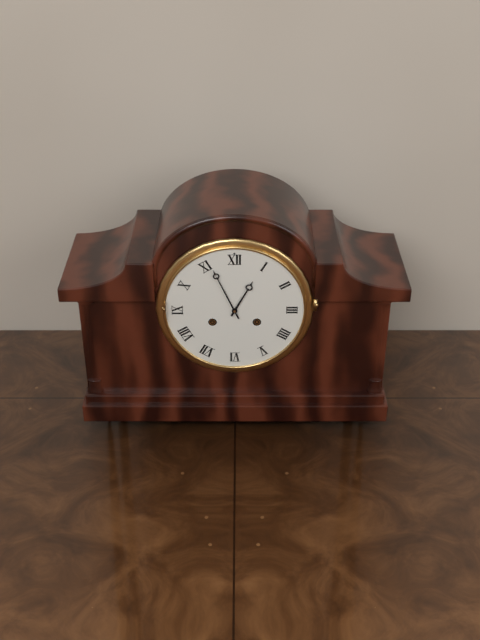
**12:56**
